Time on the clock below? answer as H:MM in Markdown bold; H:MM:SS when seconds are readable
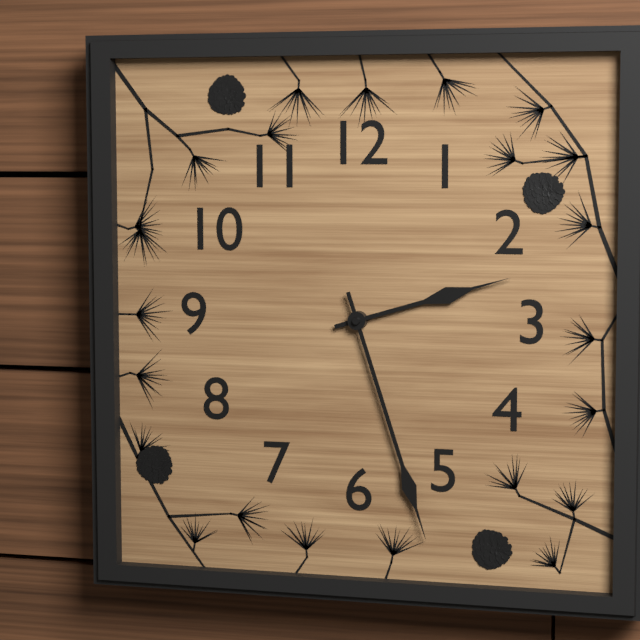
**2:27**
